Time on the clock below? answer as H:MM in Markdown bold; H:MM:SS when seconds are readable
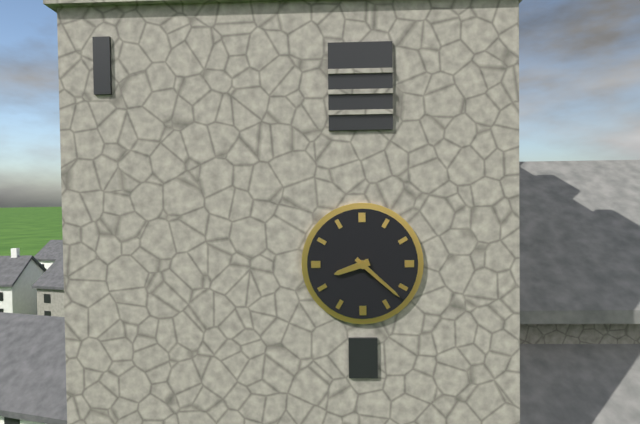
**8:22**
